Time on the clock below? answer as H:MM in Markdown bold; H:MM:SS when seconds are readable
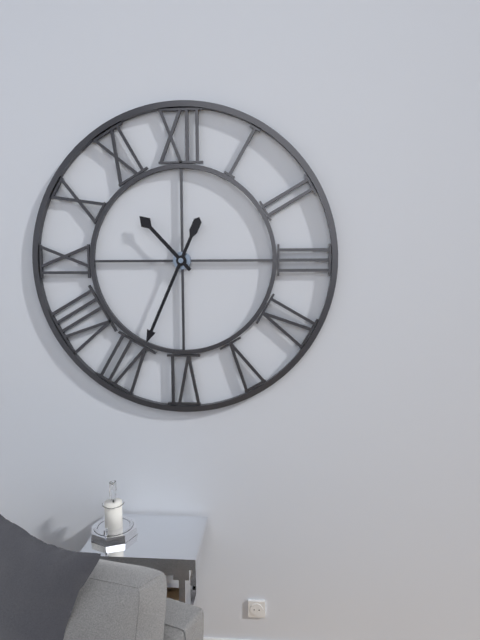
**10:34**
